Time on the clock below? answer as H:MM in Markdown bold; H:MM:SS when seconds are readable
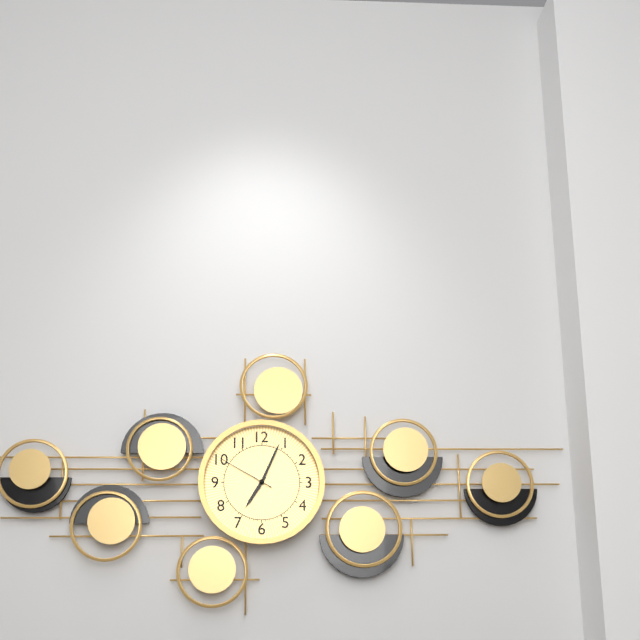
**7:04:50**
